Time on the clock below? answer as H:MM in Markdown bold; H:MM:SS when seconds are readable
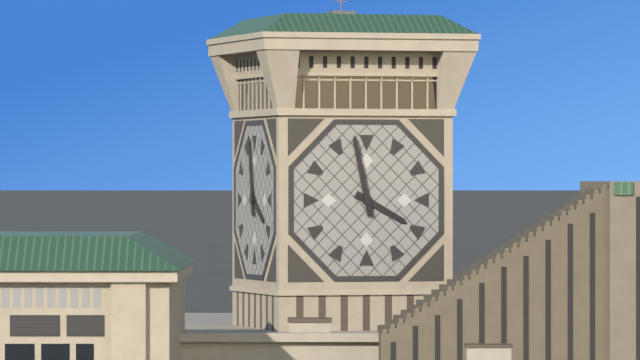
**3:58**
